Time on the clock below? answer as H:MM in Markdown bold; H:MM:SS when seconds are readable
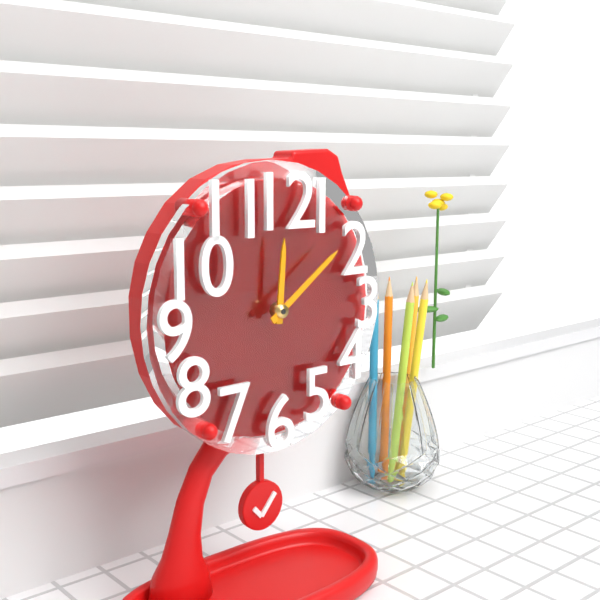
**12:09**
